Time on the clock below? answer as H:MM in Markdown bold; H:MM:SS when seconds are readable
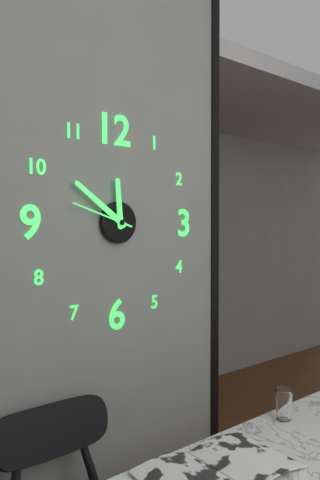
**11:51:48**
